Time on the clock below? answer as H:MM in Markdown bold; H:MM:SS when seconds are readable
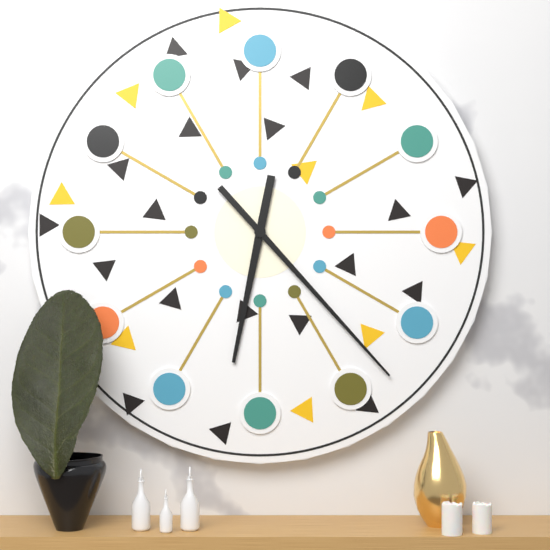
**6:23**
